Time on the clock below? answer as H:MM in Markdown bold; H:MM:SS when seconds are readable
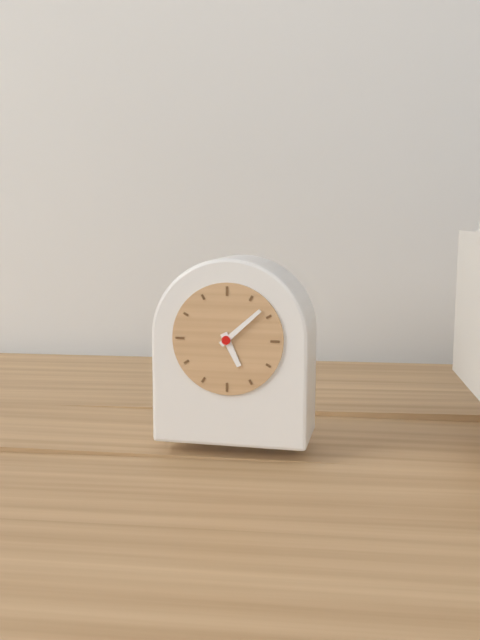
**5:08**
